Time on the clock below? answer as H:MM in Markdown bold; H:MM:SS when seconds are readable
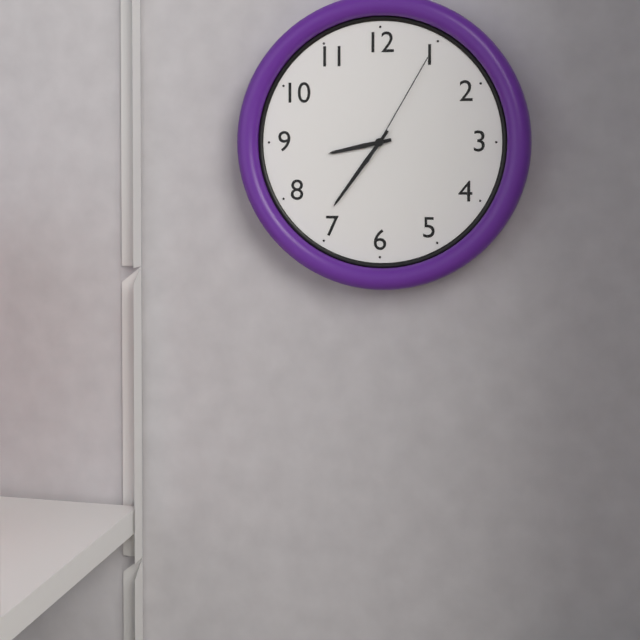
**8:36:05**
